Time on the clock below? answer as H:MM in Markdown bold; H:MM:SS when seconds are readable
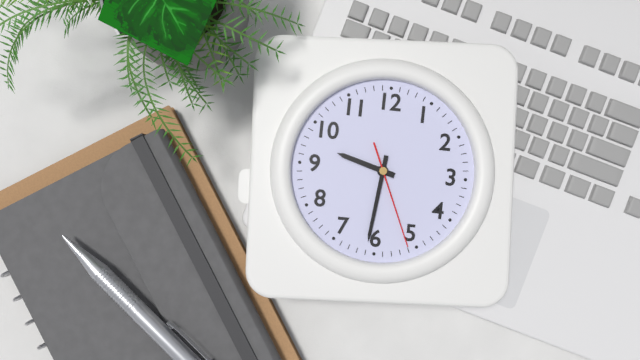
**9:31:26**
